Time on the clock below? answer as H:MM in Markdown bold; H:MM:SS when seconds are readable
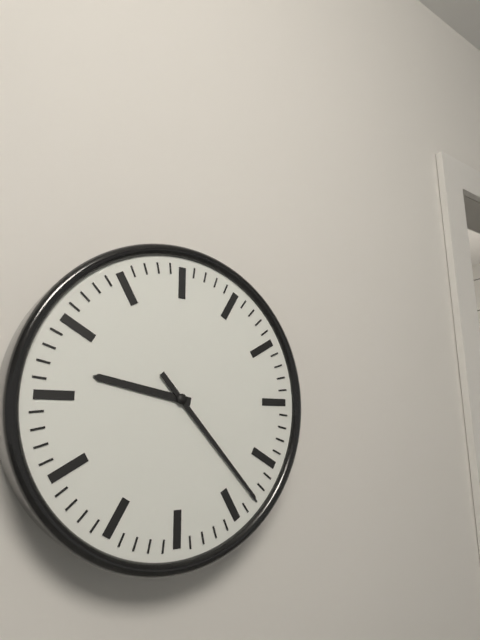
**9:23**
